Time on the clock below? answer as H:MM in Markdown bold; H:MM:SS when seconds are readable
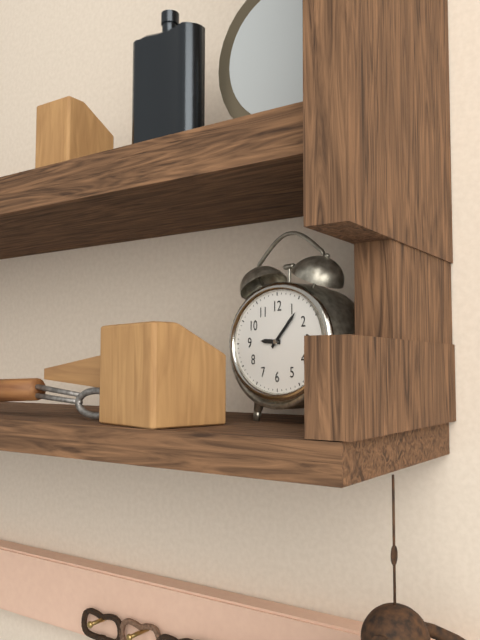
**9:08**
